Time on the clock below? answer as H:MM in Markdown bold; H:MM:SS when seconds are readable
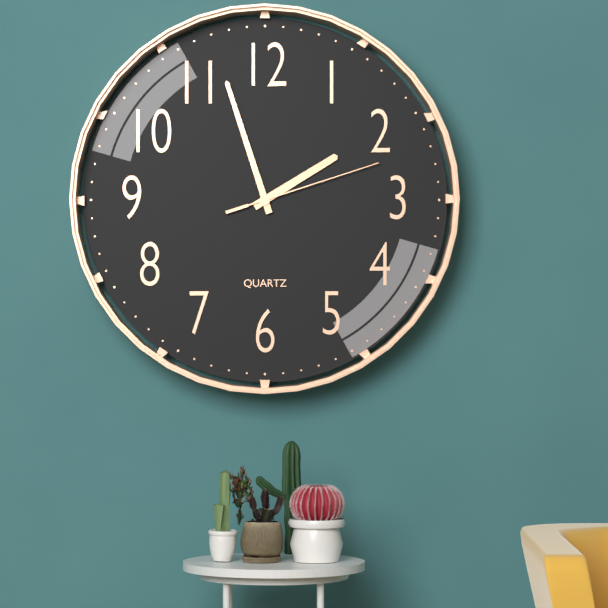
**1:57:12**
